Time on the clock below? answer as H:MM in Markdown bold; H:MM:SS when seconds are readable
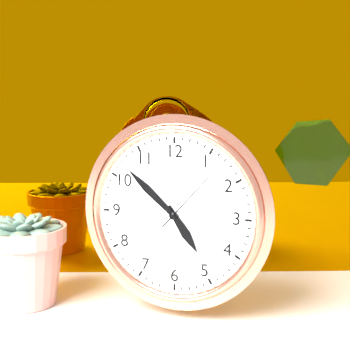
**4:52:07**
